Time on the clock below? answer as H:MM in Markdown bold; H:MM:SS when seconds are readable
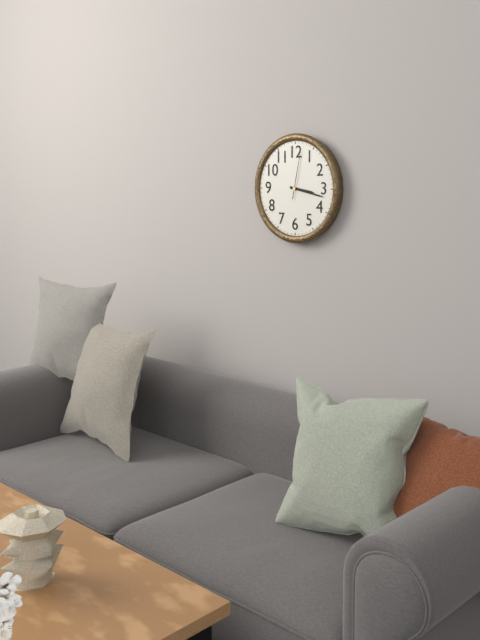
**3:17:02**
